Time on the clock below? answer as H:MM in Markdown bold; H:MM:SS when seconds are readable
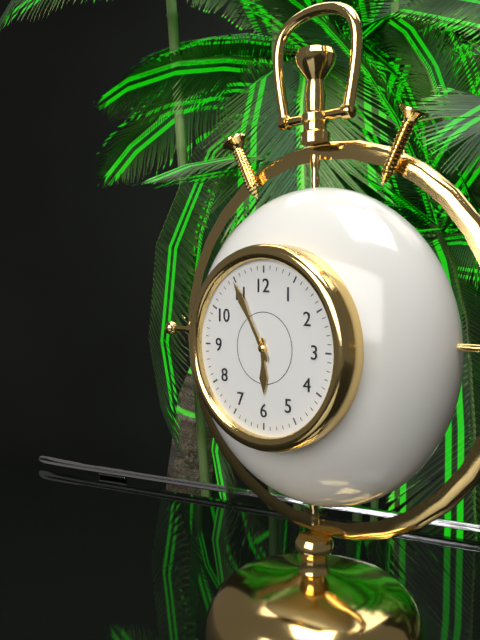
**5:55**
